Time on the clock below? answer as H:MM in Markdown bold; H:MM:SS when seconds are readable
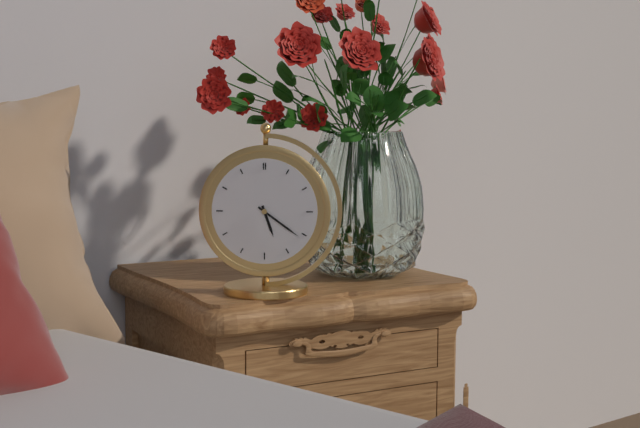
**5:21**
